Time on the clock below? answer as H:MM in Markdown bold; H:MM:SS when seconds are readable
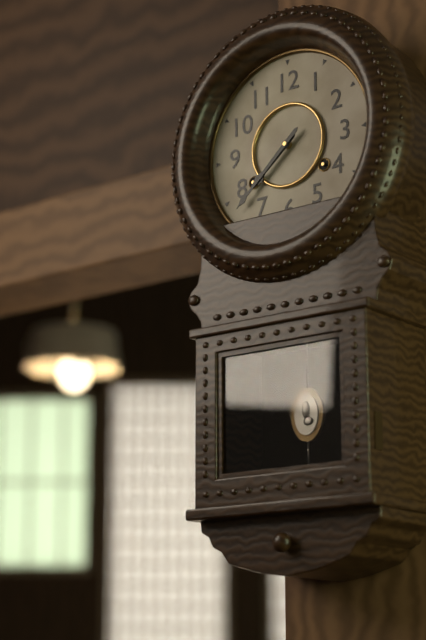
**7:38**
